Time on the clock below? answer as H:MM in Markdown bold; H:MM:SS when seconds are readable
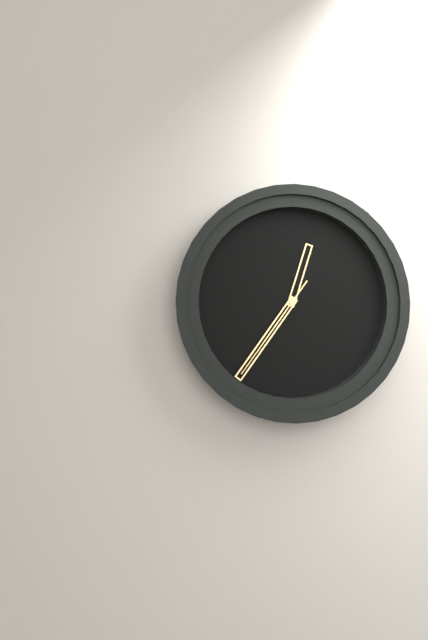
**12:36:36**
